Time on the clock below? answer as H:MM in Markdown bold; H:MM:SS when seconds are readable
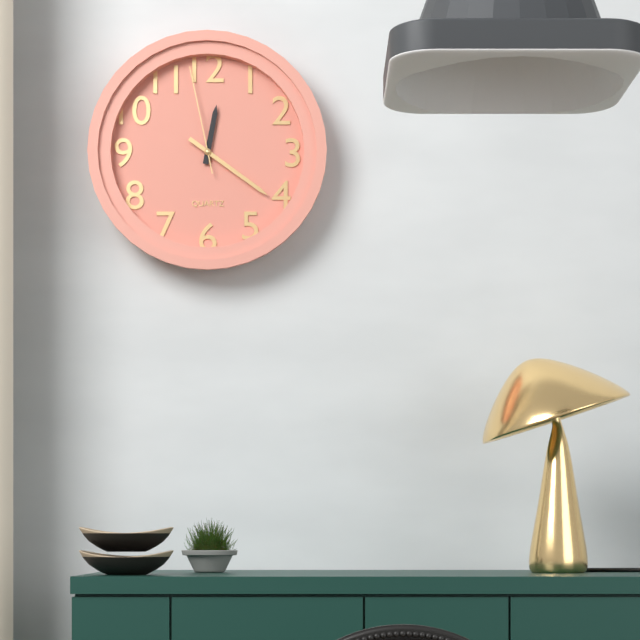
**12:21:58**
